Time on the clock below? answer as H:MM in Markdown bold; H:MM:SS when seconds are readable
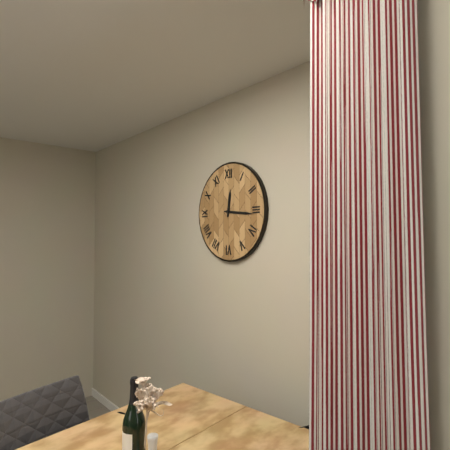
**12:16**
